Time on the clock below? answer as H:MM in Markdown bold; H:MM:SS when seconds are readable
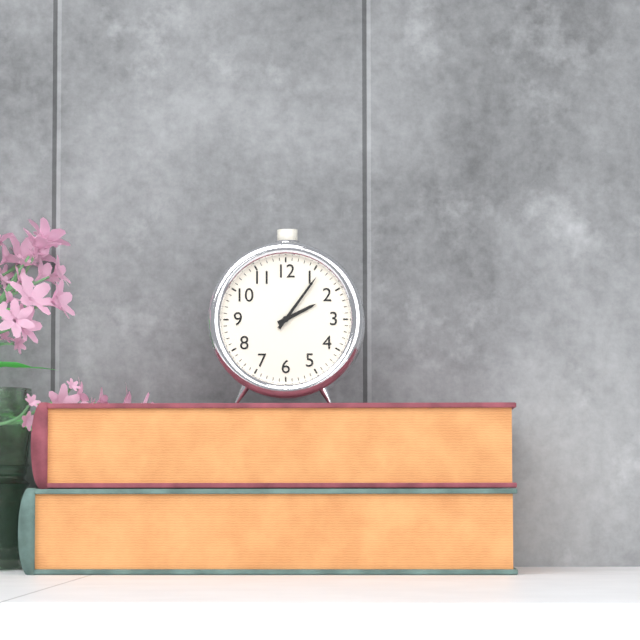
**2:06**
